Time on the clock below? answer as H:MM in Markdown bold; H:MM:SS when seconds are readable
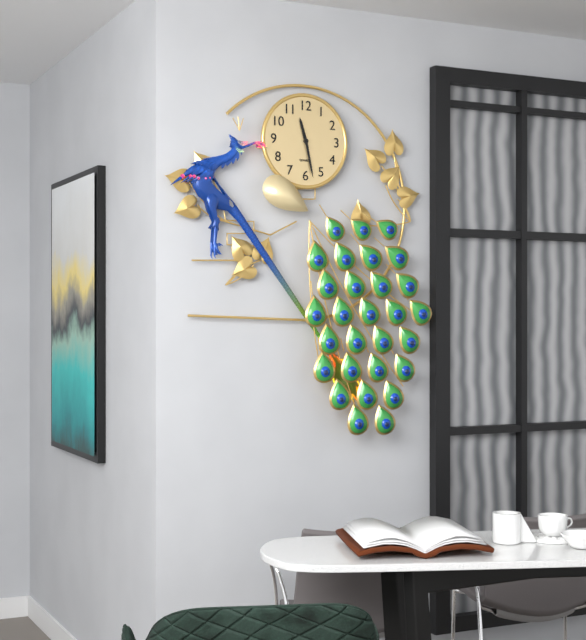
**11:28**
